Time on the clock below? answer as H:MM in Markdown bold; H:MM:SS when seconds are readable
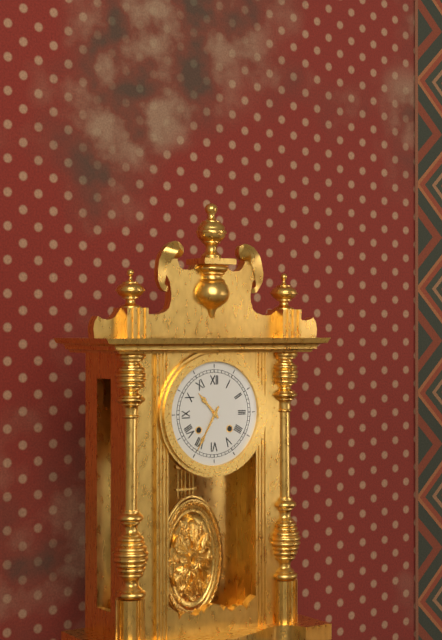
**10:35**
